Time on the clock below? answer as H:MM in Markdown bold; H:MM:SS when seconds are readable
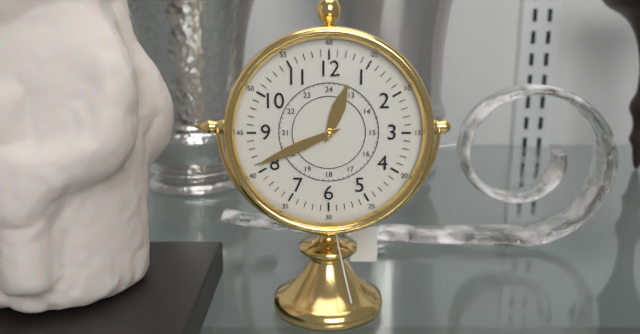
**12:41**
